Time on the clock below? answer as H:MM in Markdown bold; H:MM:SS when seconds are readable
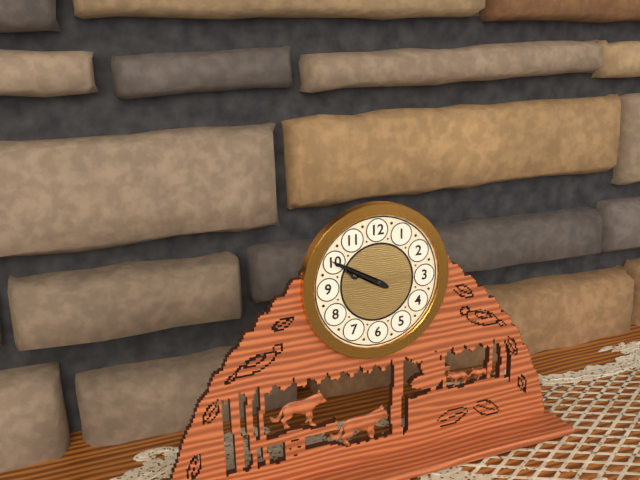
**9:50**
